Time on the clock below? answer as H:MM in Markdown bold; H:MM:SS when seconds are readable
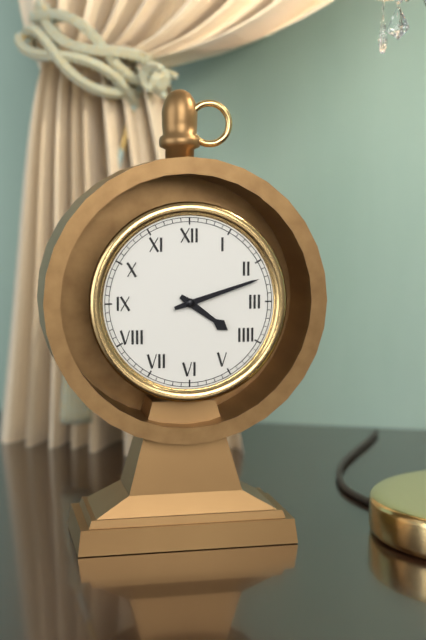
**4:12**
